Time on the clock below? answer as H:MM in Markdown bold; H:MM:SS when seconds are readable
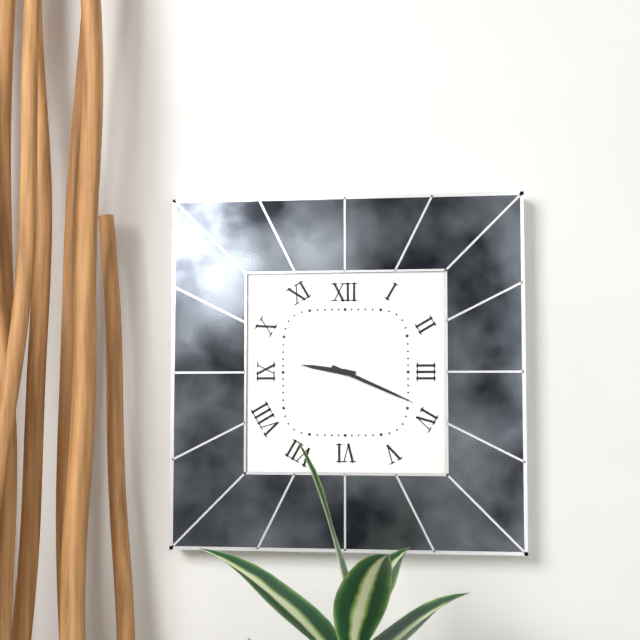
**9:19**
